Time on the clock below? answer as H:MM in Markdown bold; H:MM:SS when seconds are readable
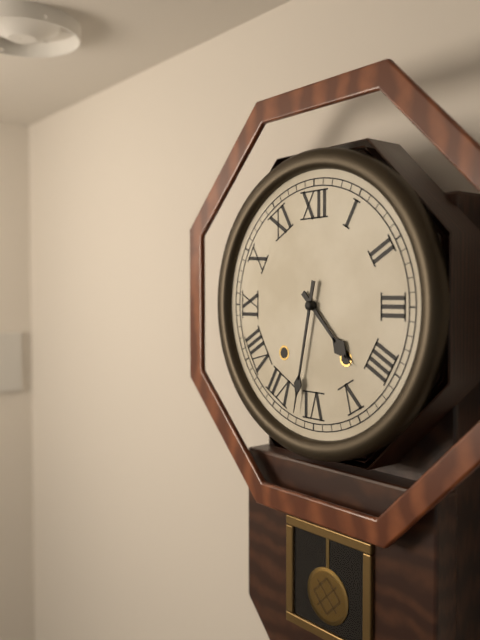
**4:32**
